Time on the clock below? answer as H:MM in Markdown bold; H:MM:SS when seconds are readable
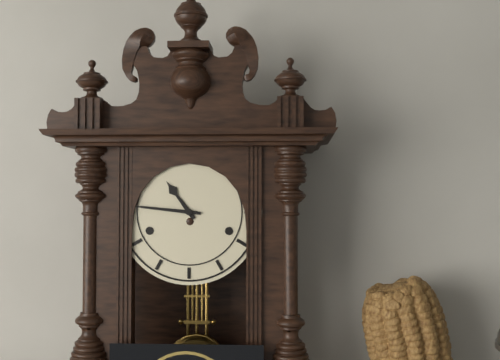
**10:46**
